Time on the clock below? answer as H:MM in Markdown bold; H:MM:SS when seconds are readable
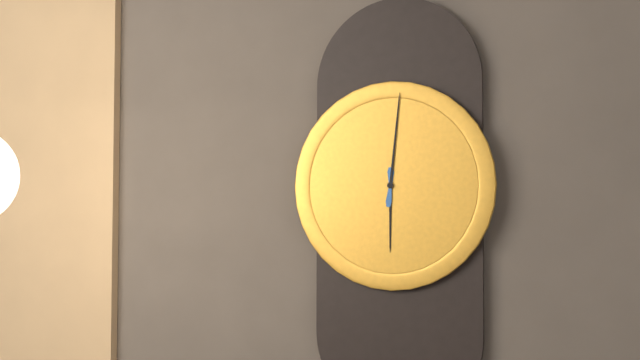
**6:01**
